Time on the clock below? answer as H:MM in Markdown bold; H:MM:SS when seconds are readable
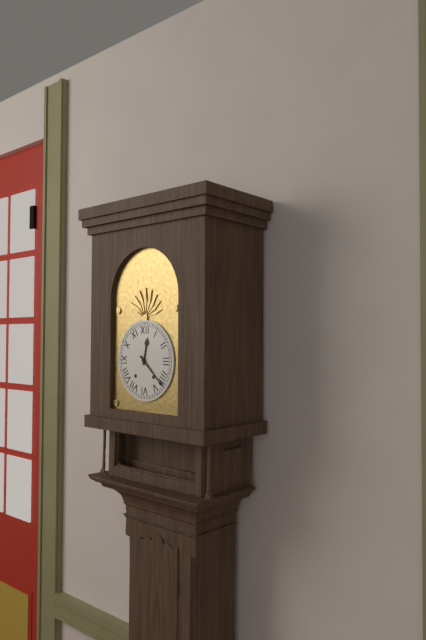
**12:22**
